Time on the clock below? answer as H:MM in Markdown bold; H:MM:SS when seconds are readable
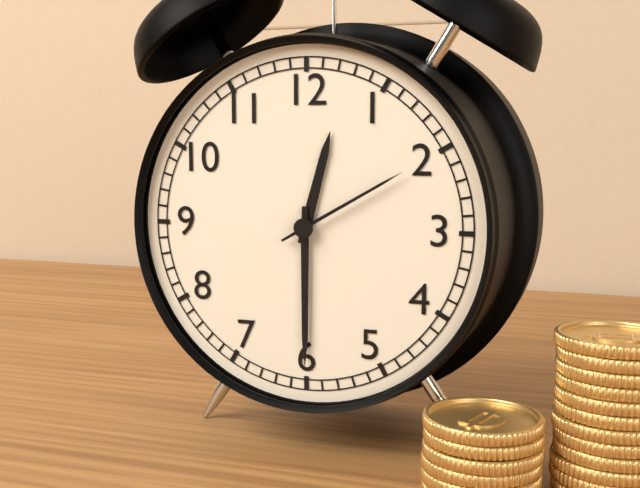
**12:30:10**
